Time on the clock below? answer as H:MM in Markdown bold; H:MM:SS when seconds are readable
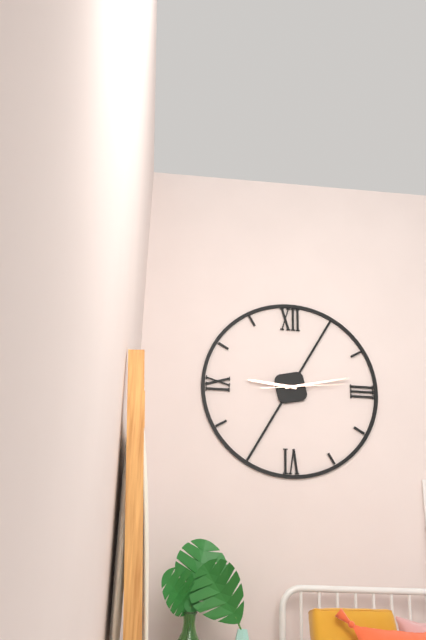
**9:13:14**
